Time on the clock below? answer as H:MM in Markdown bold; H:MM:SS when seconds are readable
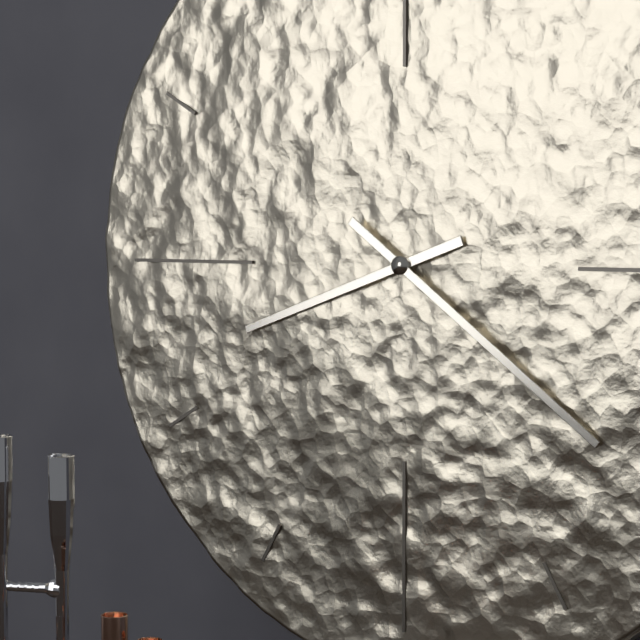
**8:21**
